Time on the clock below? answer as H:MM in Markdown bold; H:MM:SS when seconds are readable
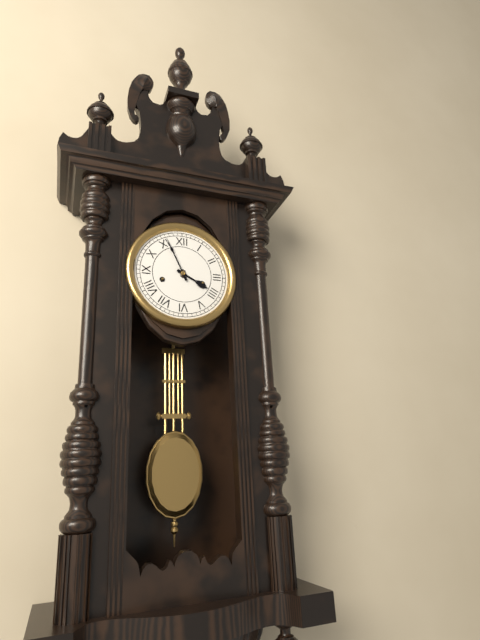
**3:56**
